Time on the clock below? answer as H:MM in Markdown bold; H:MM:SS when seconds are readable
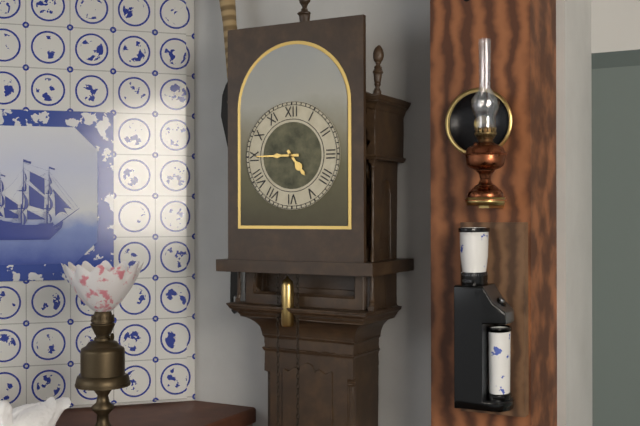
**4:45**
